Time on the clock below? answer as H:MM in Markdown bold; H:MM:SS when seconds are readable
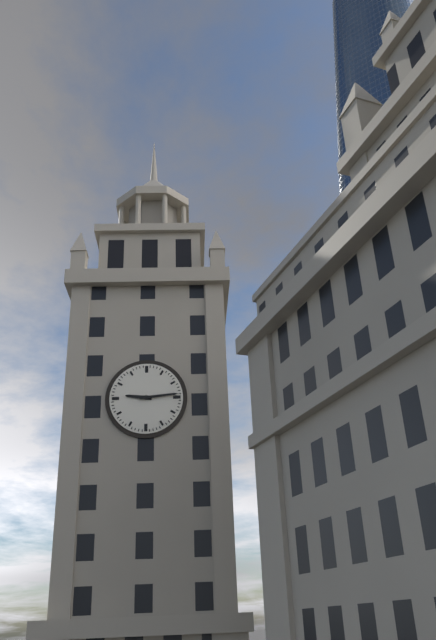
**9:14**
